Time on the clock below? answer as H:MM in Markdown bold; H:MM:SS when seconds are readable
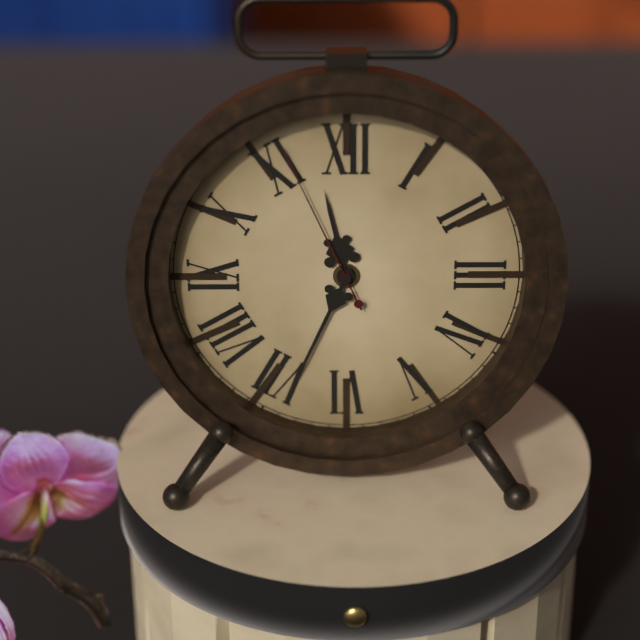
**11:34:56**
